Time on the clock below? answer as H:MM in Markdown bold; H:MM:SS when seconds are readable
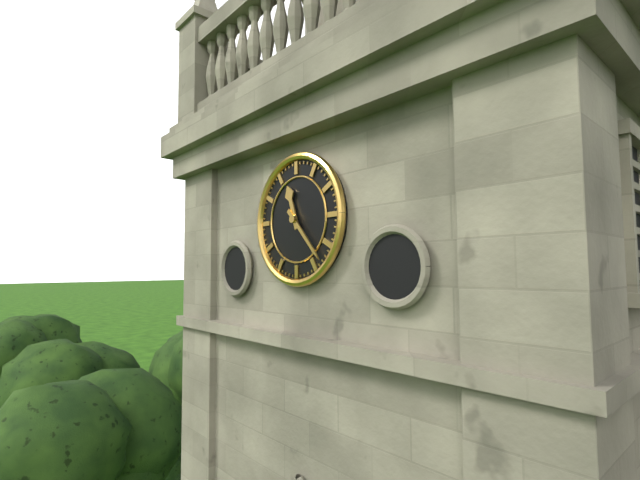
**11:23**
